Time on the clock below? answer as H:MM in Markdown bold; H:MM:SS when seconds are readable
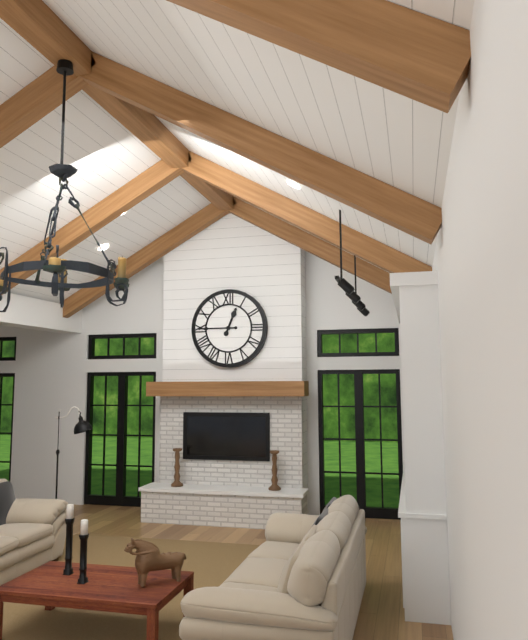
**12:45**
